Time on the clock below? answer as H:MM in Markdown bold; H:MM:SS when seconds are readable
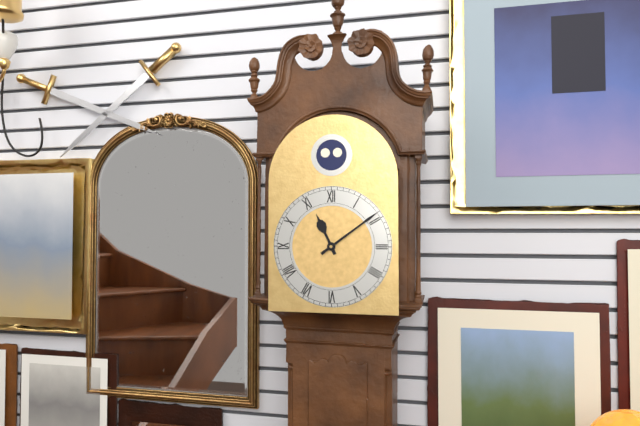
**11:09**
